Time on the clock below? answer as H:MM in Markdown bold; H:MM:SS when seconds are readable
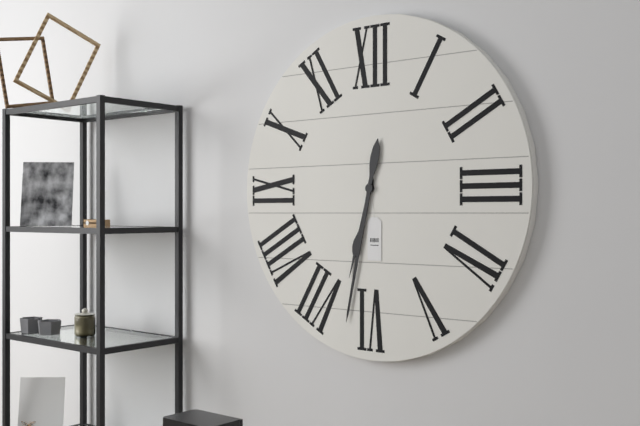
**6:32**
